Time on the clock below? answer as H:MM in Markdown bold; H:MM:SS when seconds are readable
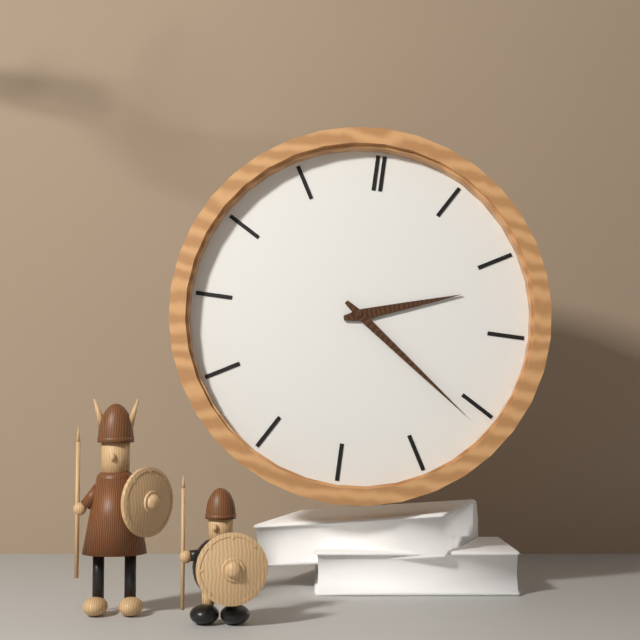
**2:21**
